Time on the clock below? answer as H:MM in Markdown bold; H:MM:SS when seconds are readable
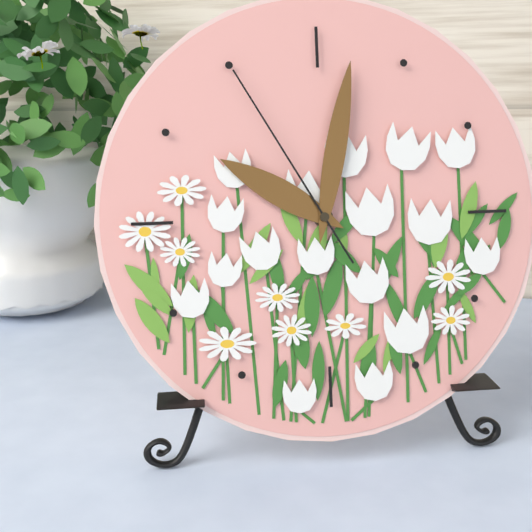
**10:02:55**
